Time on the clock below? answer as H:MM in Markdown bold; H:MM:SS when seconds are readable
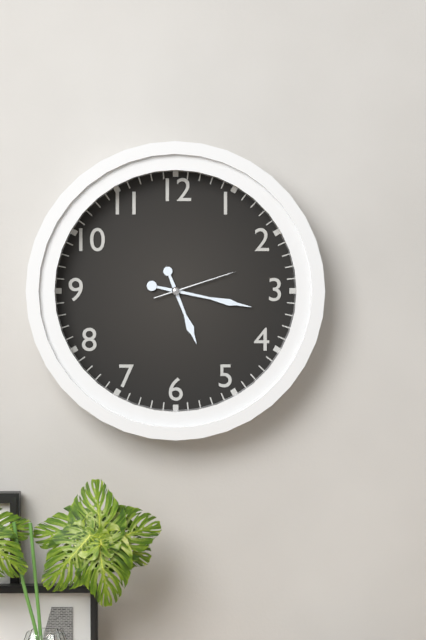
**5:17:12**
